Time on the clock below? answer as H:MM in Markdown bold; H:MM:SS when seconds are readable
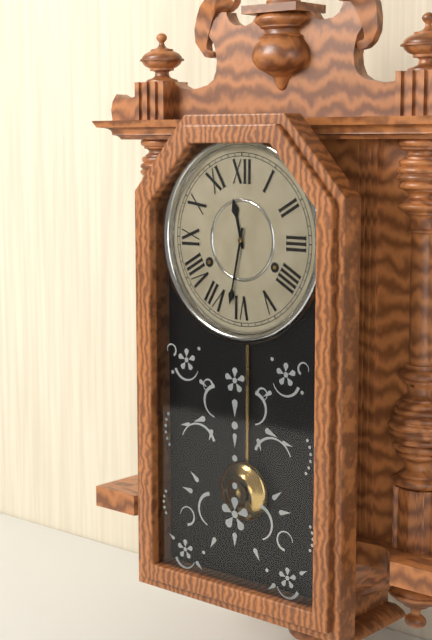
**11:32**
